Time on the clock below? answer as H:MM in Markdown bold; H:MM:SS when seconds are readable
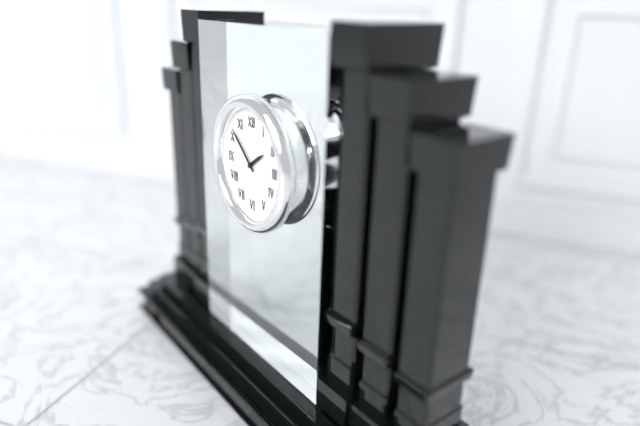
**1:52**
